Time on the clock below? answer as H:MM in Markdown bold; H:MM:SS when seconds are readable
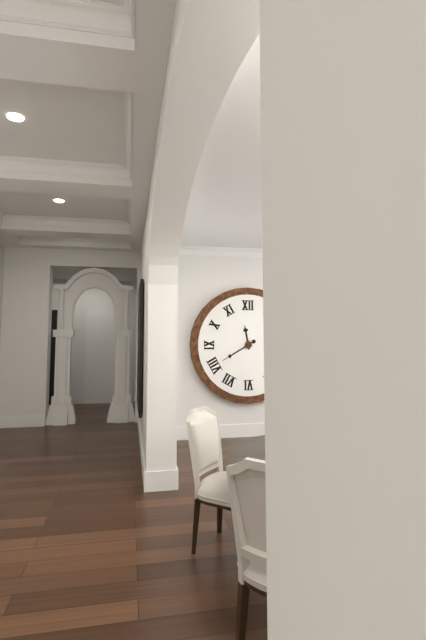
**11:40**
